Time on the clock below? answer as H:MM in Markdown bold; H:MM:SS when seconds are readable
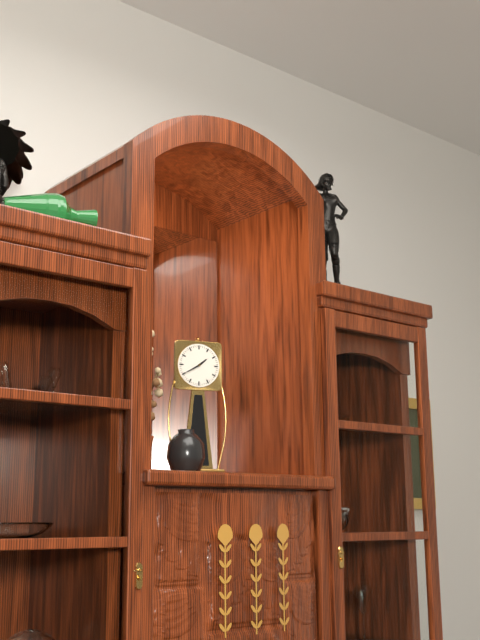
**1:40**
